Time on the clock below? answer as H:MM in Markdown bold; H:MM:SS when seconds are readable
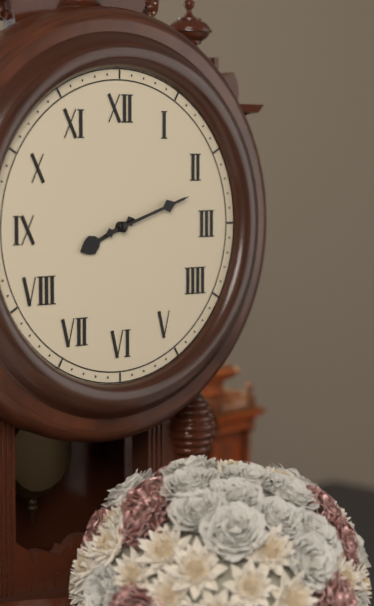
**8:12**
